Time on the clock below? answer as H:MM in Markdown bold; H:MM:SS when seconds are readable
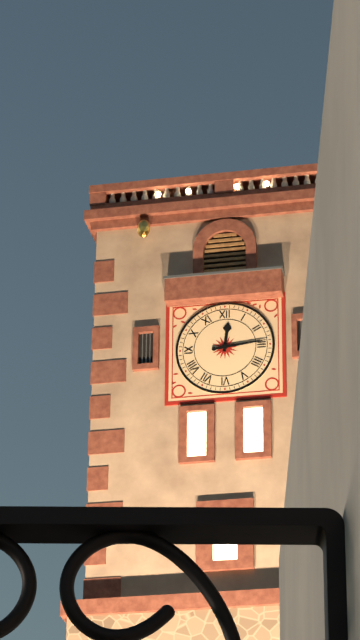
**12:14**
